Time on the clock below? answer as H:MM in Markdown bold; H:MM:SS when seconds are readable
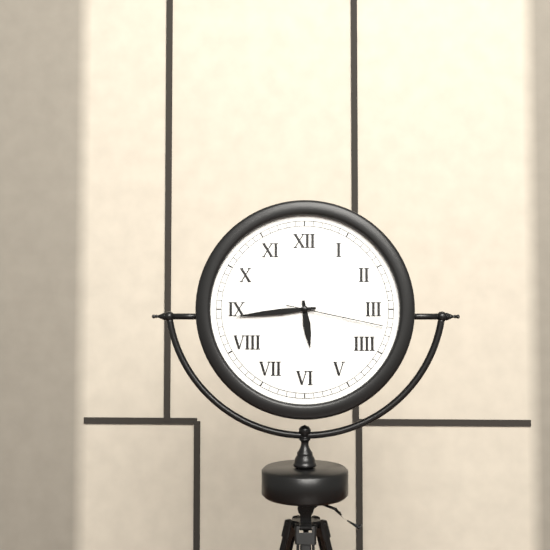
**5:44:17**
